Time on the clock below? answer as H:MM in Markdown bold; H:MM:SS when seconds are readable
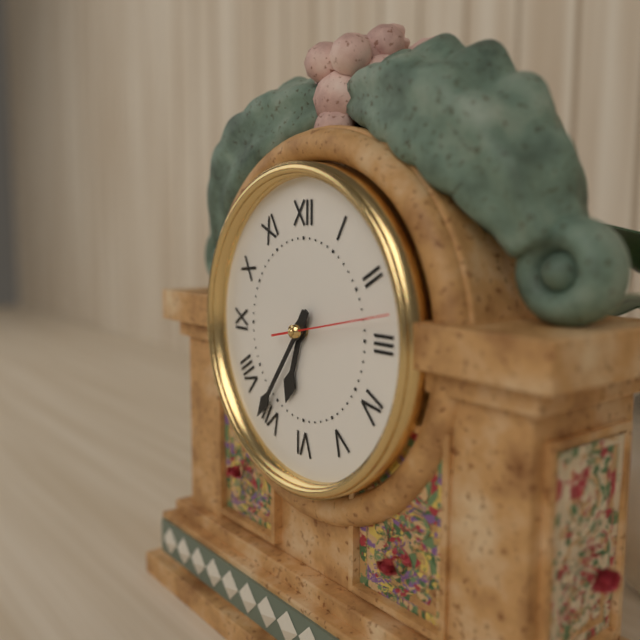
**6:36:13**
